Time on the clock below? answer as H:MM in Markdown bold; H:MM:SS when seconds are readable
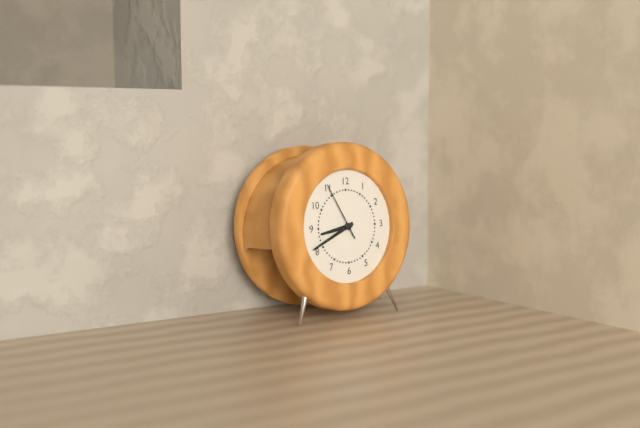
**8:41:55**
